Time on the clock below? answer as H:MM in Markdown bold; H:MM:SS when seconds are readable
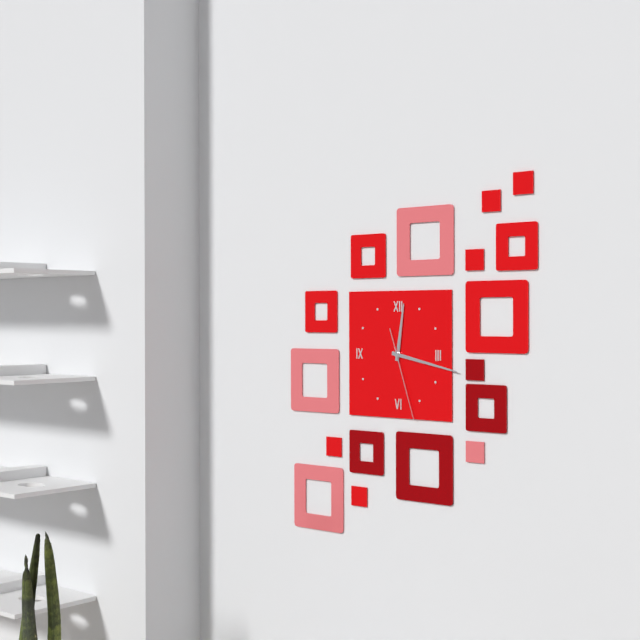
**12:17:27**
